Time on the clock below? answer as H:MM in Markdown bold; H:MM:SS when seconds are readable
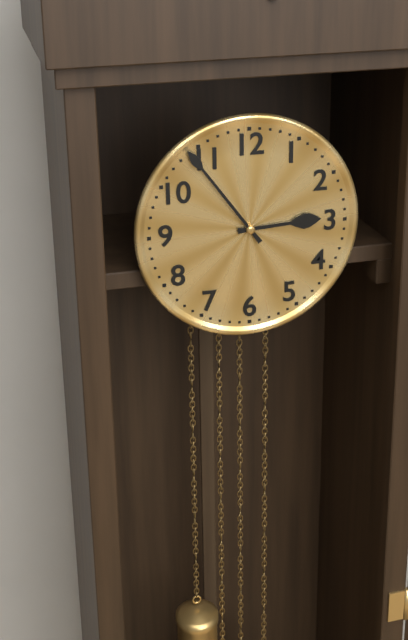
**2:54**
